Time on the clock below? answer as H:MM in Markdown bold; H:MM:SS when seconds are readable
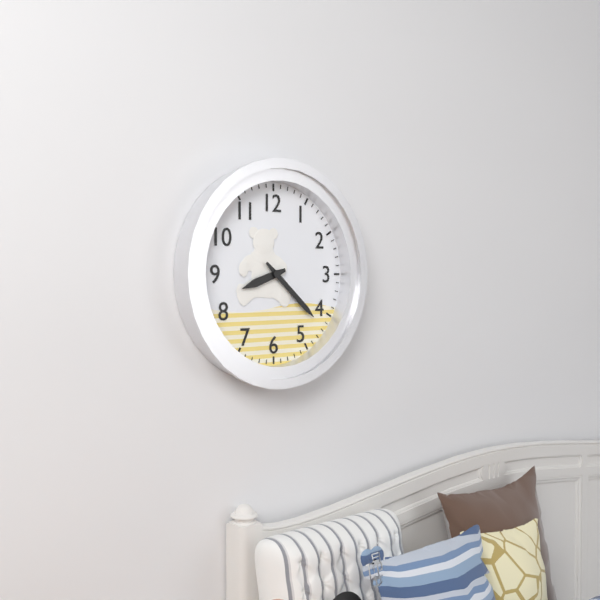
**8:22**
